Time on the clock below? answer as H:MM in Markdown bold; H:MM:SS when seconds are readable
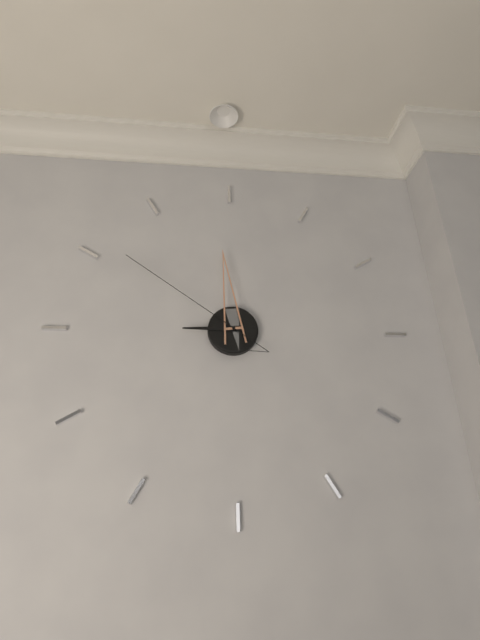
**8:59:51**
